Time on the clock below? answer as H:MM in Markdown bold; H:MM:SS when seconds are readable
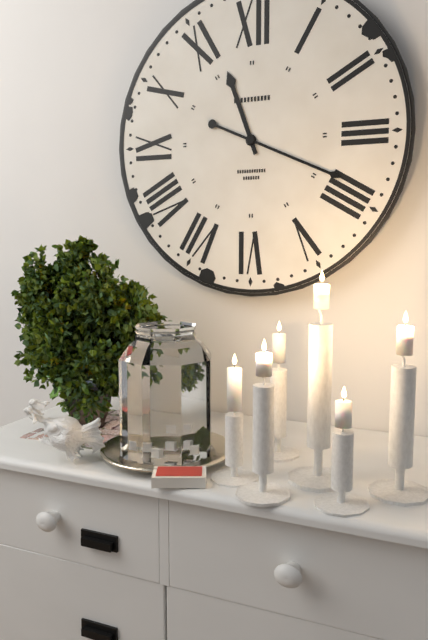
**11:19**
